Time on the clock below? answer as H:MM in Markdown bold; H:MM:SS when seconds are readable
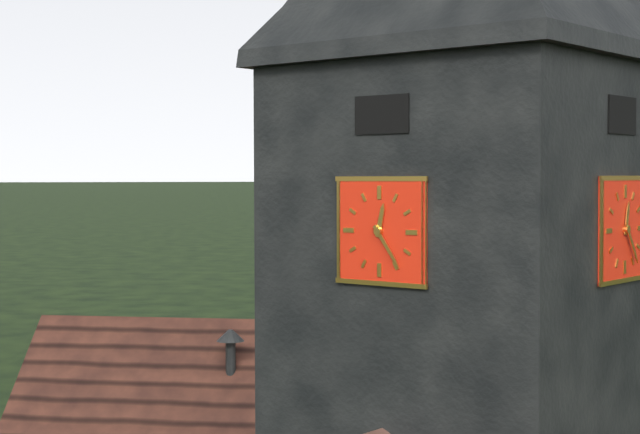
**12:24**
